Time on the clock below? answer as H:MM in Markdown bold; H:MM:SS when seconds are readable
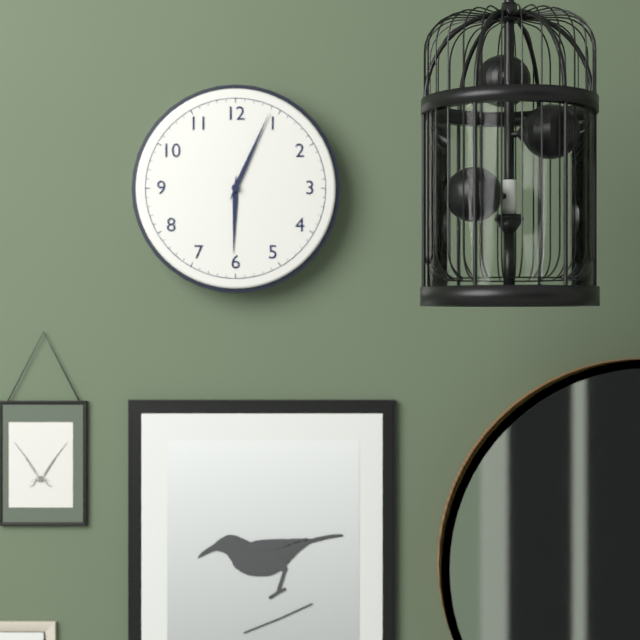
**6:04**
